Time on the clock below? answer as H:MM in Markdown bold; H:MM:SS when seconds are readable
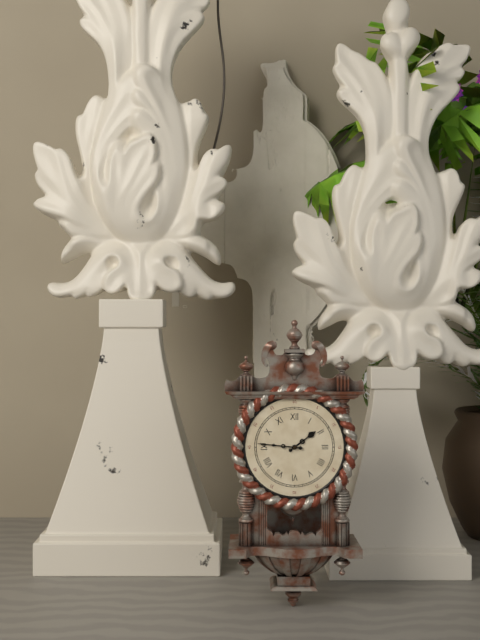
**1:46**
